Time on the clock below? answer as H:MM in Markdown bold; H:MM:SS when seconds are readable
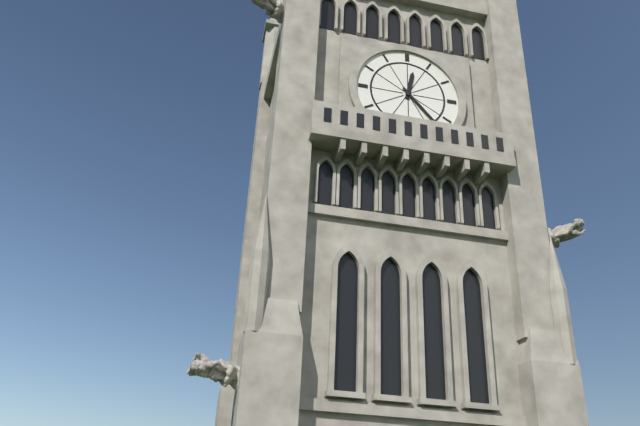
**12:23**
